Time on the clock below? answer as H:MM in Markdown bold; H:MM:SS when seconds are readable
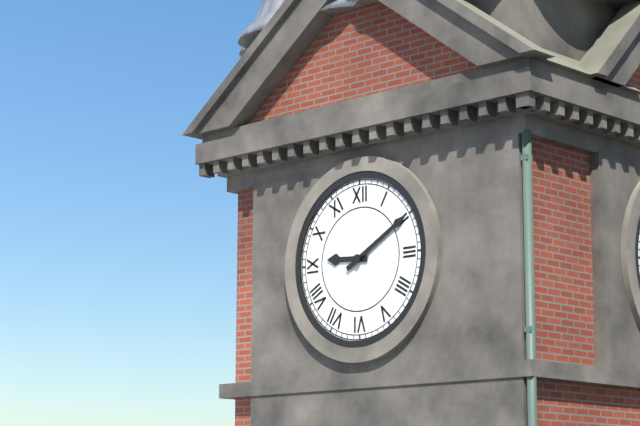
**9:10**
